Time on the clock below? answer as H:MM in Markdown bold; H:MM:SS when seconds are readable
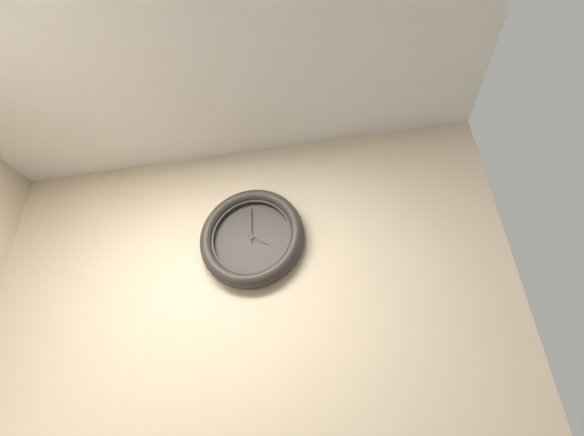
**4:00**
